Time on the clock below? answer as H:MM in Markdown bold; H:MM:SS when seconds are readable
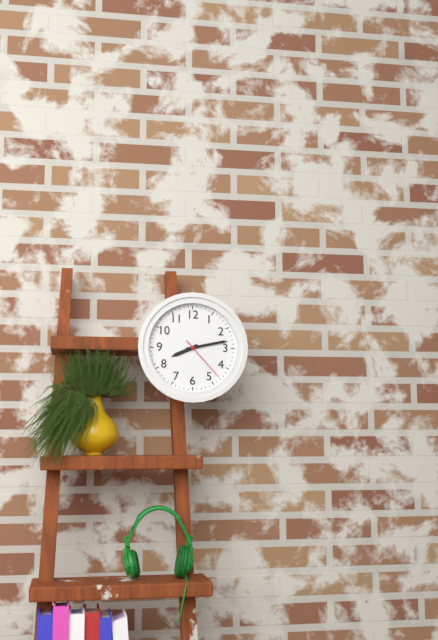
**8:13**
